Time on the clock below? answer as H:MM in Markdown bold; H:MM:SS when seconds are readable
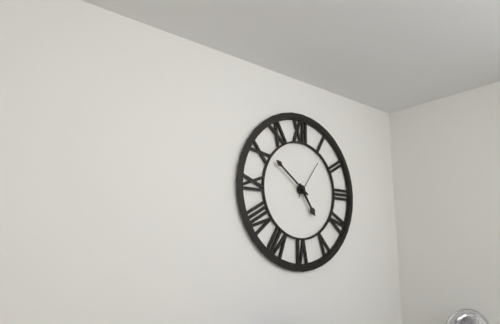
**4:51**
